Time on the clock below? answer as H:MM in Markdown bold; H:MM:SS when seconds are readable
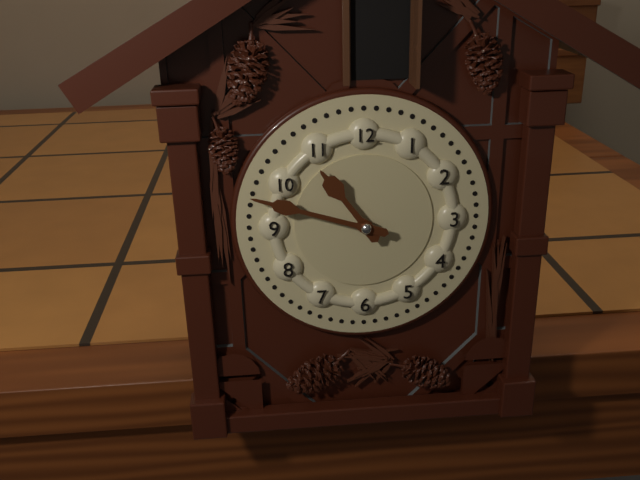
**10:48**
